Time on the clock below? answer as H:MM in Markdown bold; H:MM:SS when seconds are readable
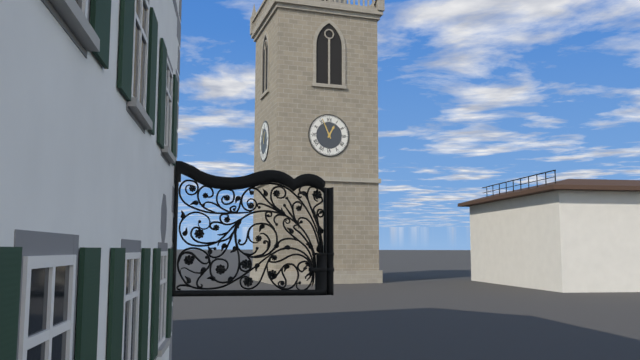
**12:56**
